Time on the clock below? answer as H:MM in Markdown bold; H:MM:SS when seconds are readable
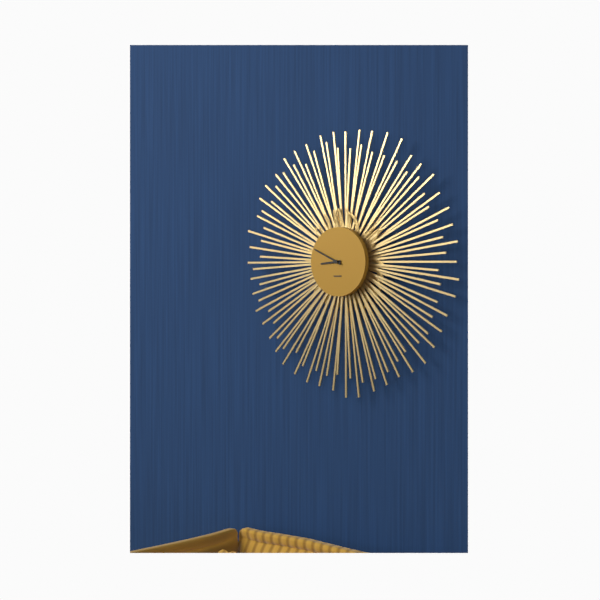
**8:49**
